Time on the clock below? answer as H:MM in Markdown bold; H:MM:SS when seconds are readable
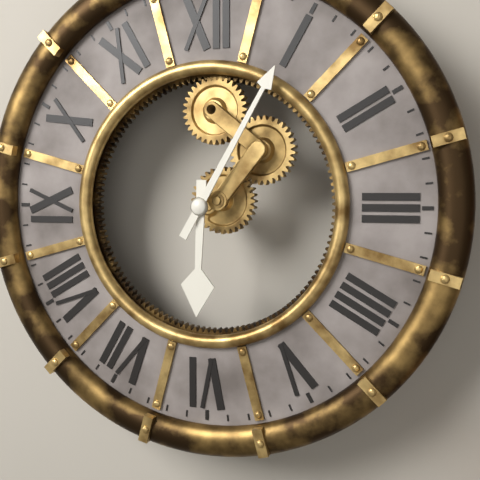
**6:05**
